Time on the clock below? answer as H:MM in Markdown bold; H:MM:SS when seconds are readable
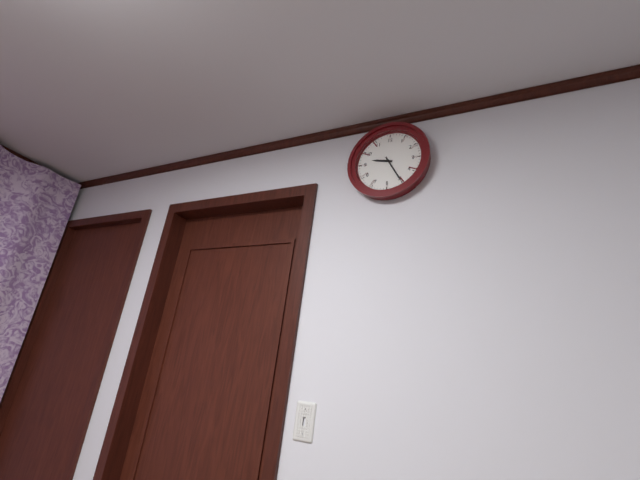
**9:25**
